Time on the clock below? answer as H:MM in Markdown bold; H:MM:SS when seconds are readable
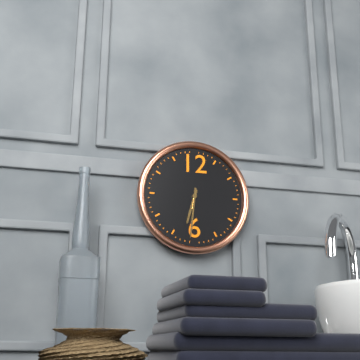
**6:31**
